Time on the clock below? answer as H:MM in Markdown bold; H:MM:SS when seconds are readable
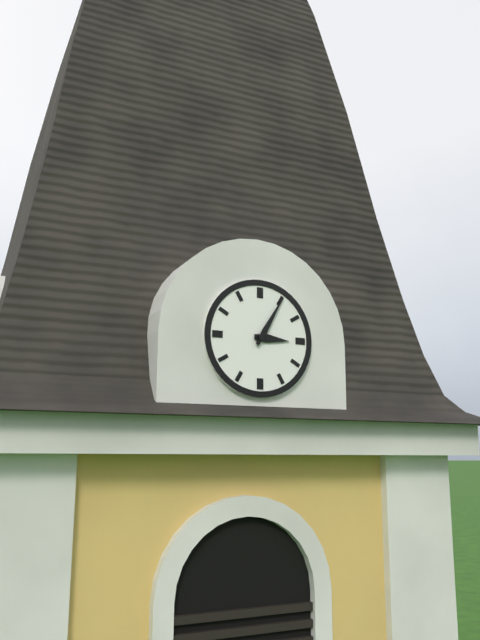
**3:05**
